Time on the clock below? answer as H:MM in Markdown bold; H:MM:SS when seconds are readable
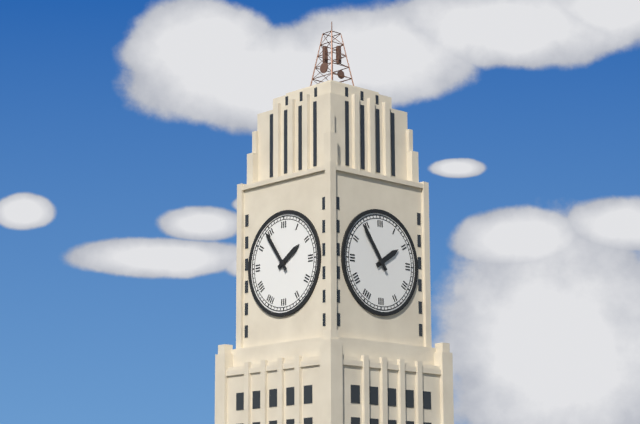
**1:54**
